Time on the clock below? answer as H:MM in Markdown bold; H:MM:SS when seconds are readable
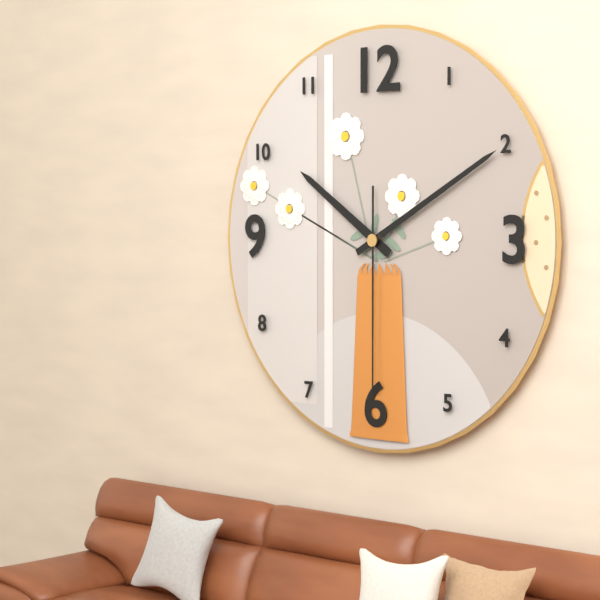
**10:10:30**
